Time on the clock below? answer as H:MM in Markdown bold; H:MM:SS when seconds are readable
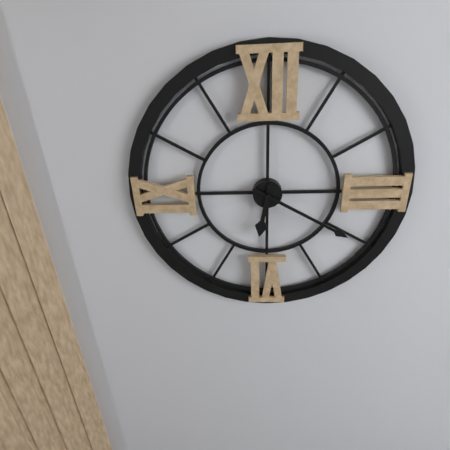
**6:20**
